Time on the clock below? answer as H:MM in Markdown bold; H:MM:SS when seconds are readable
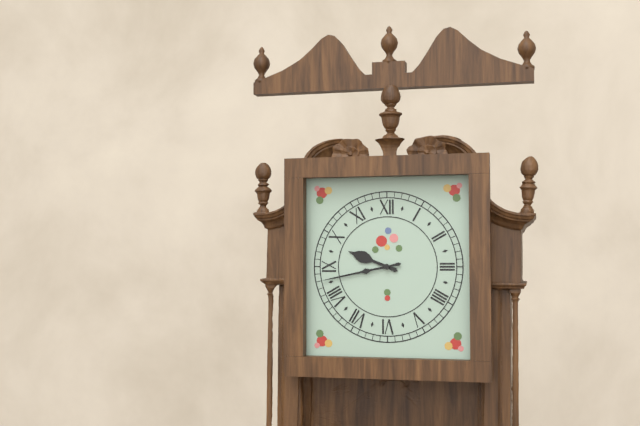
**9:43**
